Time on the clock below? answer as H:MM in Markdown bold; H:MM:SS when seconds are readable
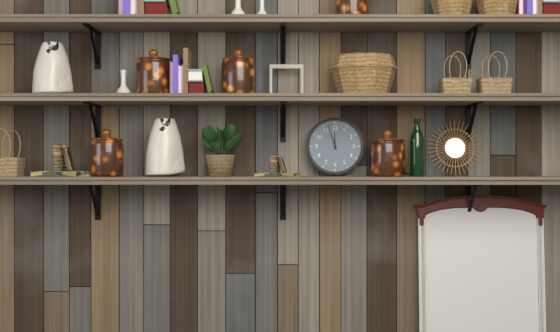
**11:57**
